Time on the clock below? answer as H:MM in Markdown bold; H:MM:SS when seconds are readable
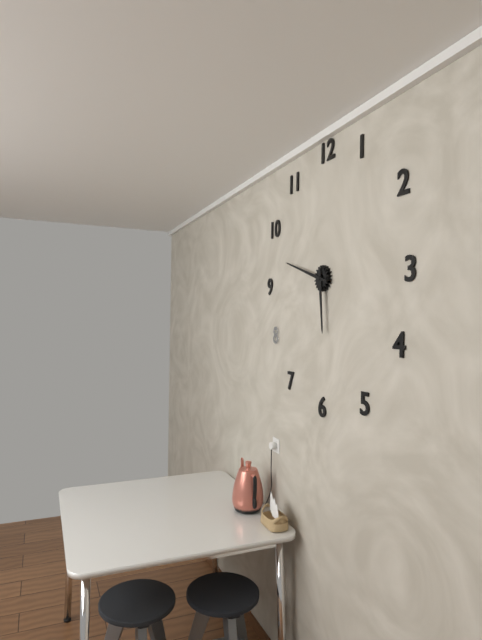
**5:48**
